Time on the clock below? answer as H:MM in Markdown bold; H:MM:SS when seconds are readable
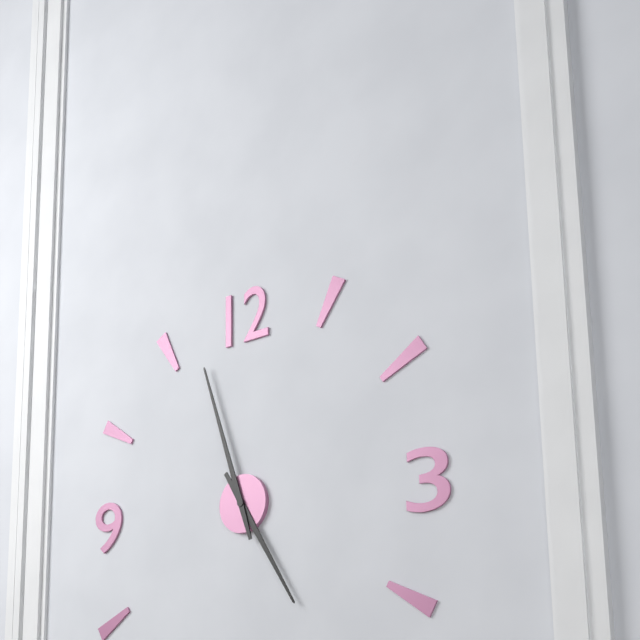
**4:57**
